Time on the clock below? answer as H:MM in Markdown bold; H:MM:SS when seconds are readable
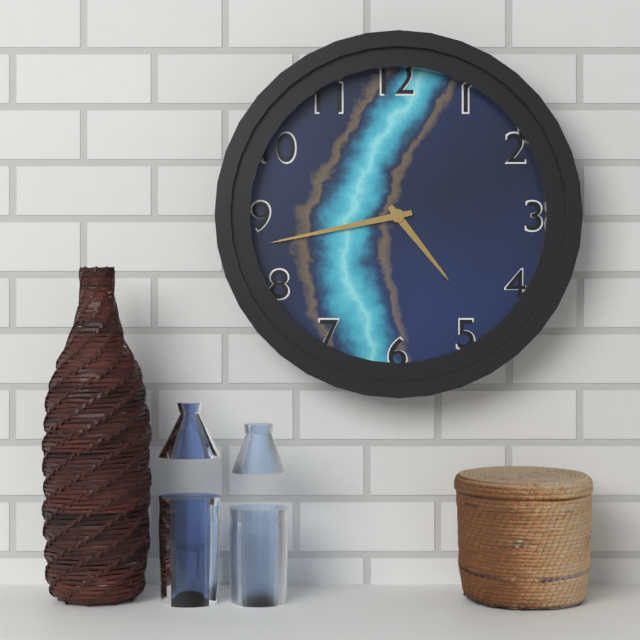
**4:43**
